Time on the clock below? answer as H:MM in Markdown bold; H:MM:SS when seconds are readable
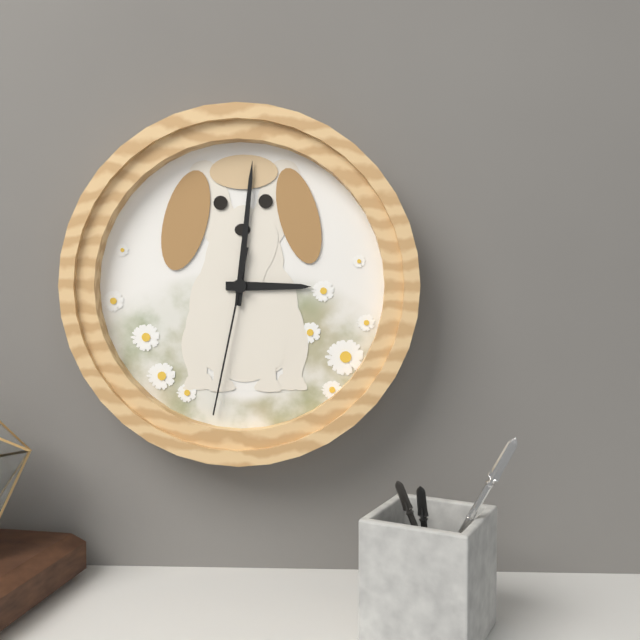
**3:01:32**
